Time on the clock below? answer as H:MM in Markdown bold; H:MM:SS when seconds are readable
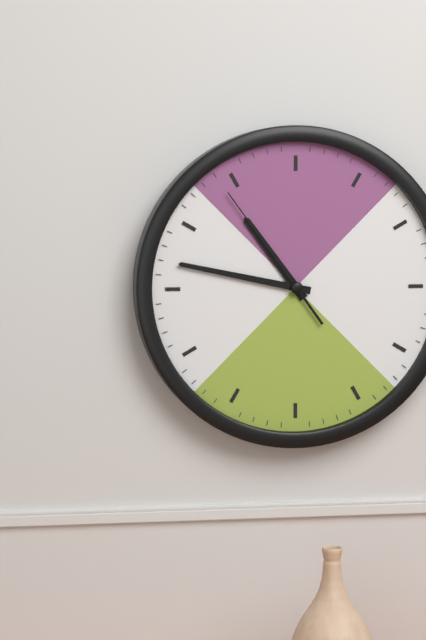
**10:47:54**
